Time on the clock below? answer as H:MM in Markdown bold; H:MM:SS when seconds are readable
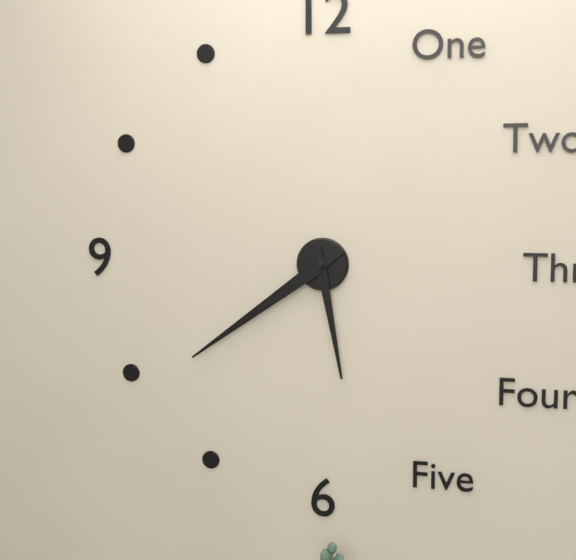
**5:39**
